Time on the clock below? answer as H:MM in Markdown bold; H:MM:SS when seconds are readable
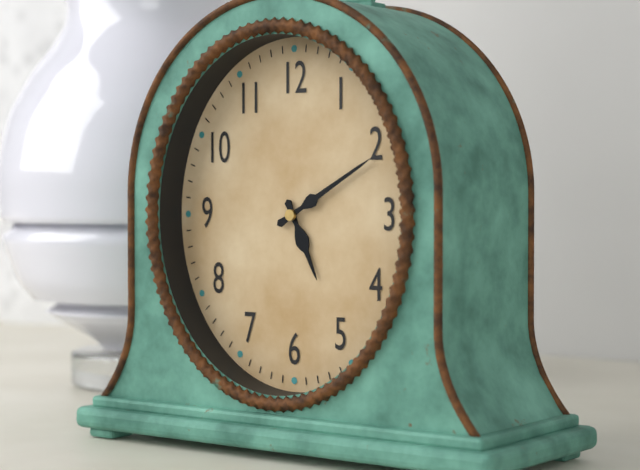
**5:10**
